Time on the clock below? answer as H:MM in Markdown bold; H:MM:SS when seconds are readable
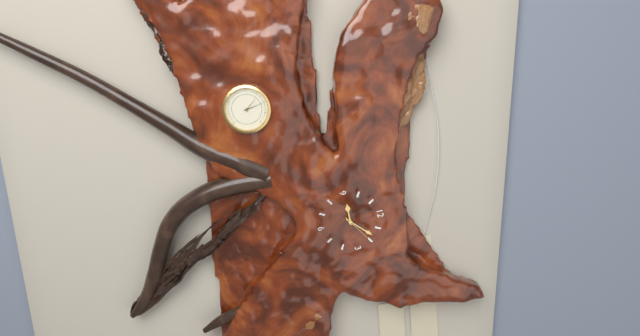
**9:08**
